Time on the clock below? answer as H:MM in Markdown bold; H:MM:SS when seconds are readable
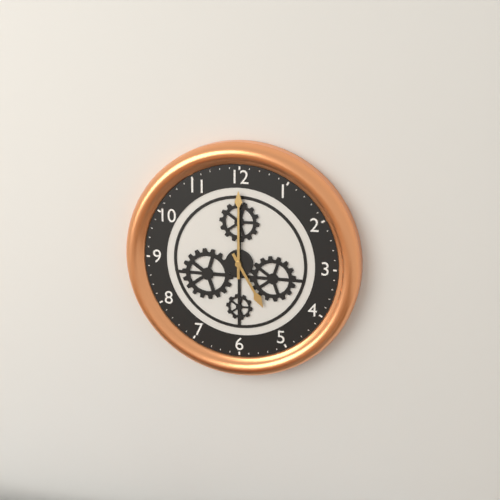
**5:00**
